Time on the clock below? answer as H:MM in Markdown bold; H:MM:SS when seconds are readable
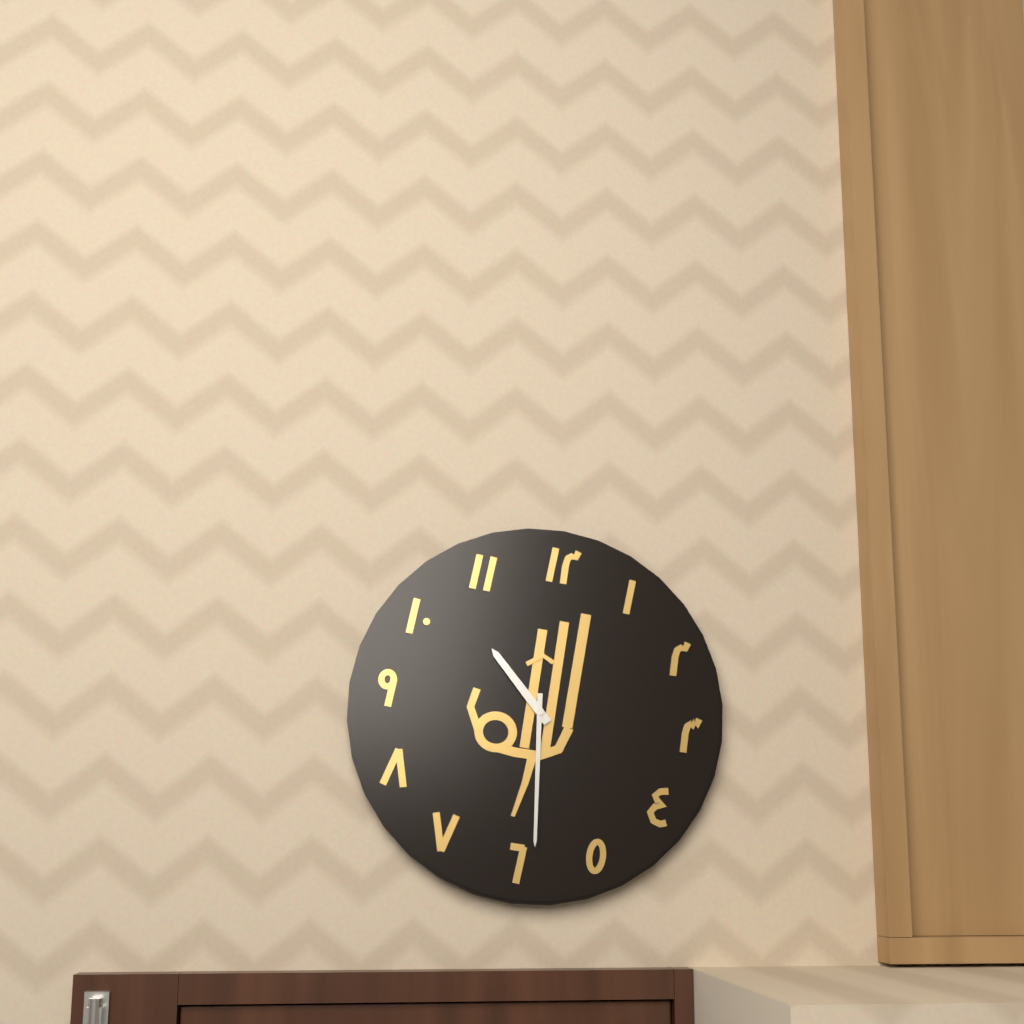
**10:29**
